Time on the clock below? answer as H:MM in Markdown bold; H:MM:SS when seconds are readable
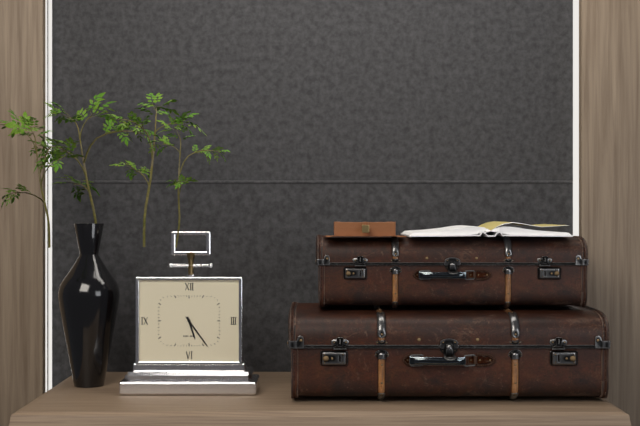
**5:24**
